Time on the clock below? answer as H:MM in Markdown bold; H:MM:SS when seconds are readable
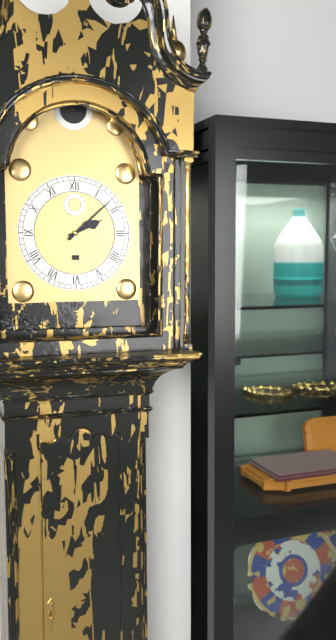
**2:08**
